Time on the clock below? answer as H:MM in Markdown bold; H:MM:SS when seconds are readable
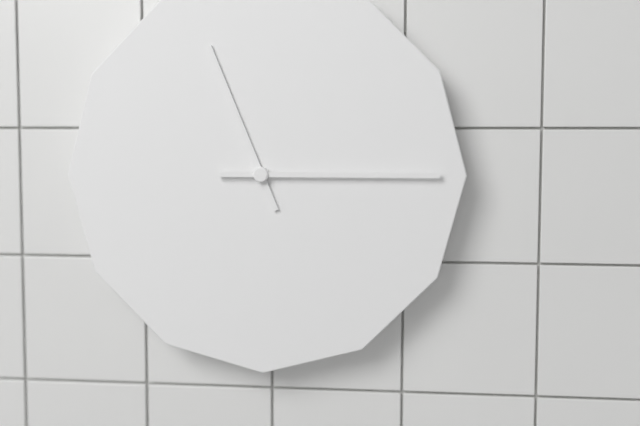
**11:15**
